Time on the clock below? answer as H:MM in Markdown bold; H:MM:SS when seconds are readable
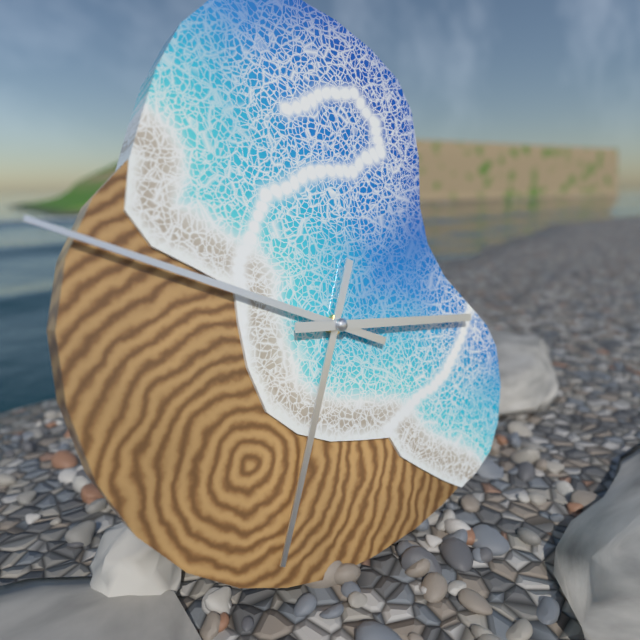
**6:49:16**
